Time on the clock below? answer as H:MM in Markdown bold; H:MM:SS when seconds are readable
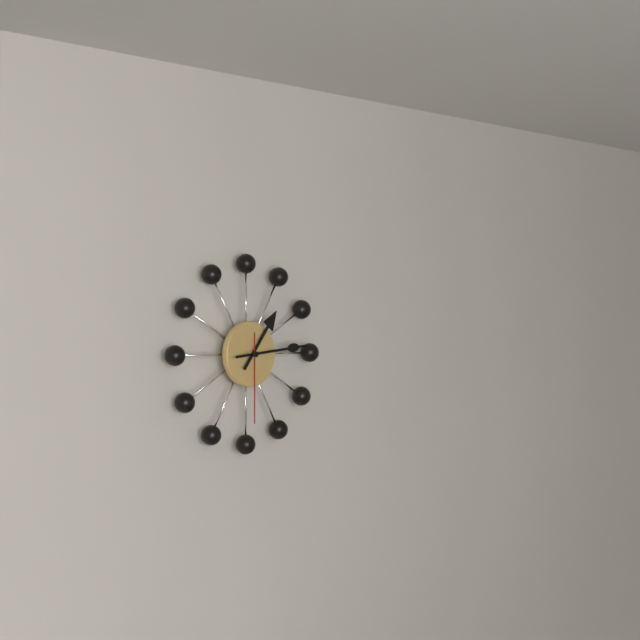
**1:14:30**
